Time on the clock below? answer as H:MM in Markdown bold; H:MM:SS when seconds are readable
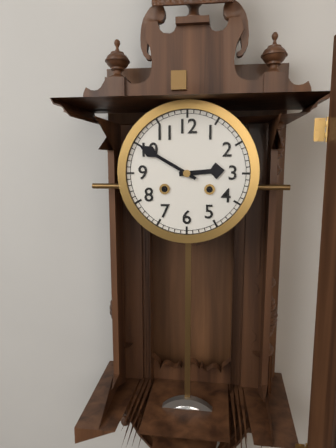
**2:50**
